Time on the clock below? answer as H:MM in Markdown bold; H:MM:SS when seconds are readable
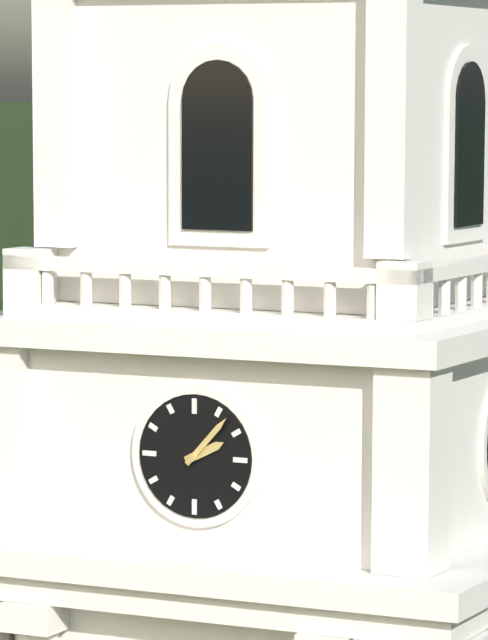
**2:07**
